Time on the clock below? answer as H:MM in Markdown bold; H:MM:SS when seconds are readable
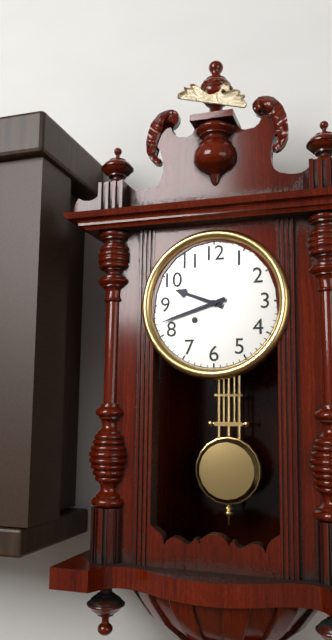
**9:42**
